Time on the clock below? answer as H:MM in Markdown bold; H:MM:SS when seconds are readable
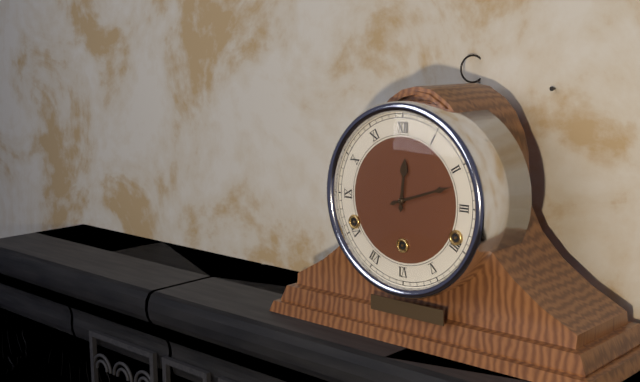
**12:12**
